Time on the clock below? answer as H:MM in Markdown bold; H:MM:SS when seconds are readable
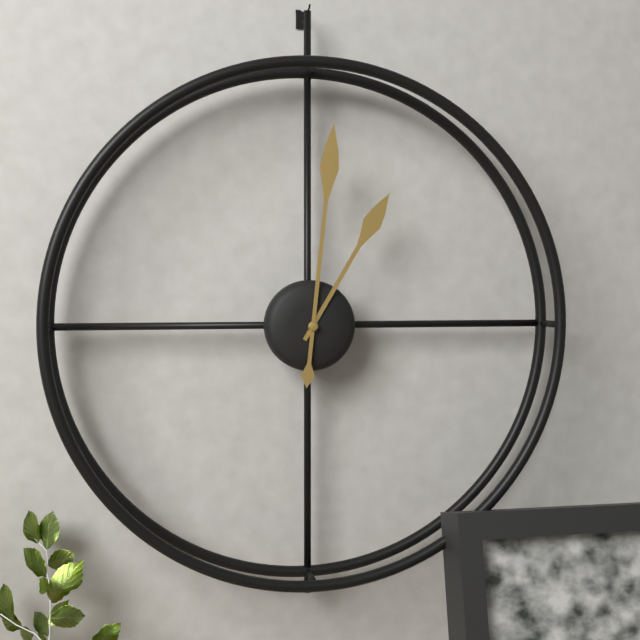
**1:01**
